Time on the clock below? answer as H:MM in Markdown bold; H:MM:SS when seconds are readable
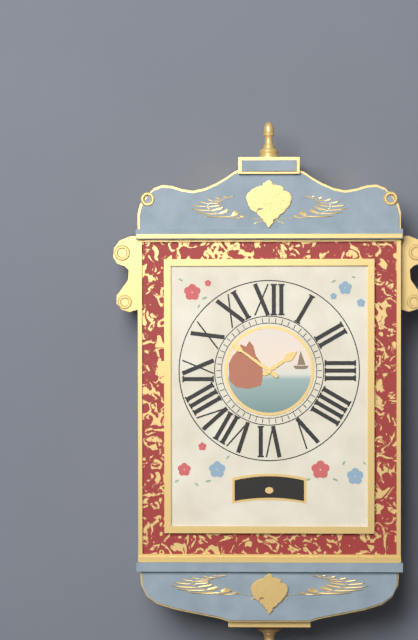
**1:51**
